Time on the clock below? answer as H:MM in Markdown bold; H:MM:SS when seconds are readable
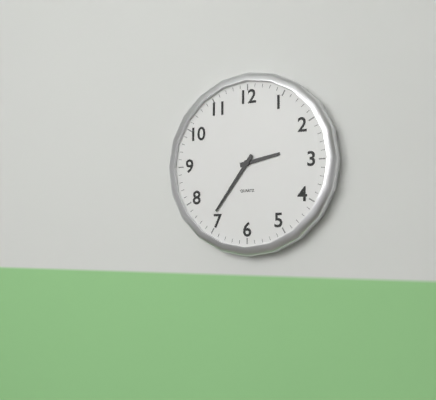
**2:36**
